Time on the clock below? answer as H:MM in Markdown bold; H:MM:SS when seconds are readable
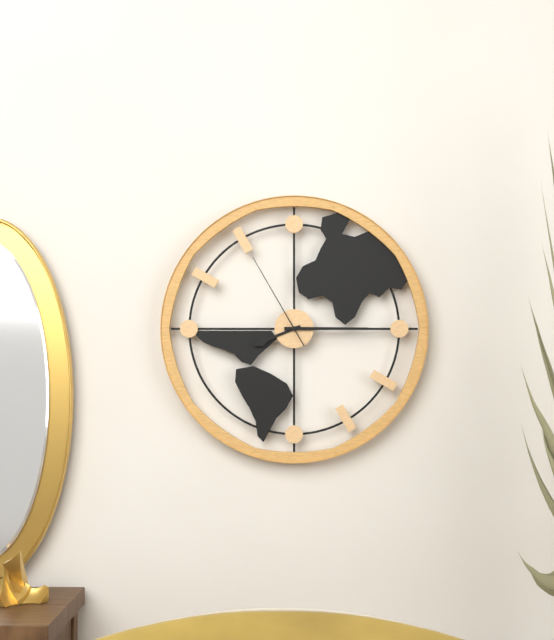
**8:15:55**
